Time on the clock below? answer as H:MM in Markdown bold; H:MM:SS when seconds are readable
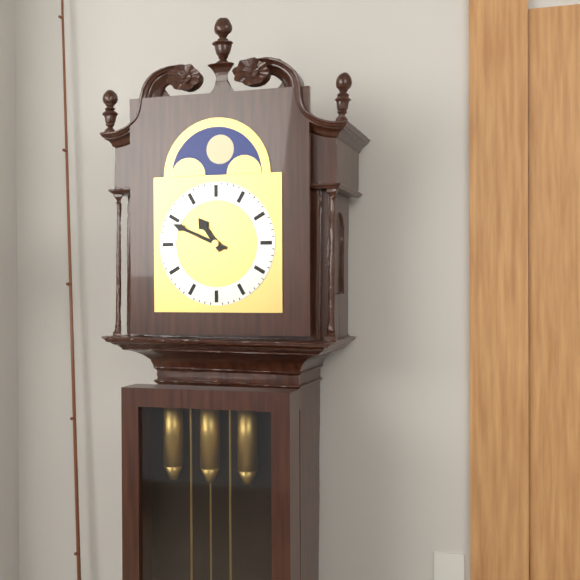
**10:49**
